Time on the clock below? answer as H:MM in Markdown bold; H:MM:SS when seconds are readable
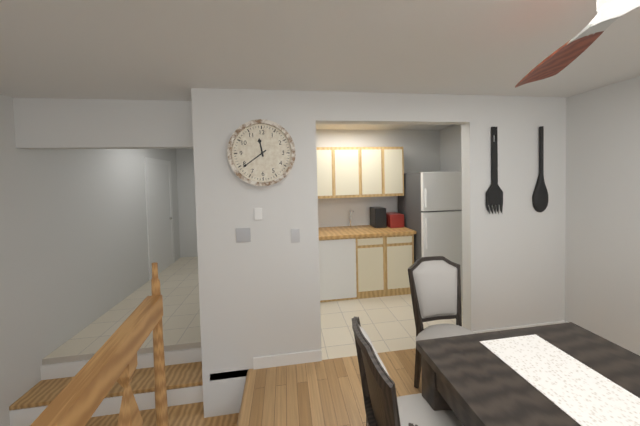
**11:39**
